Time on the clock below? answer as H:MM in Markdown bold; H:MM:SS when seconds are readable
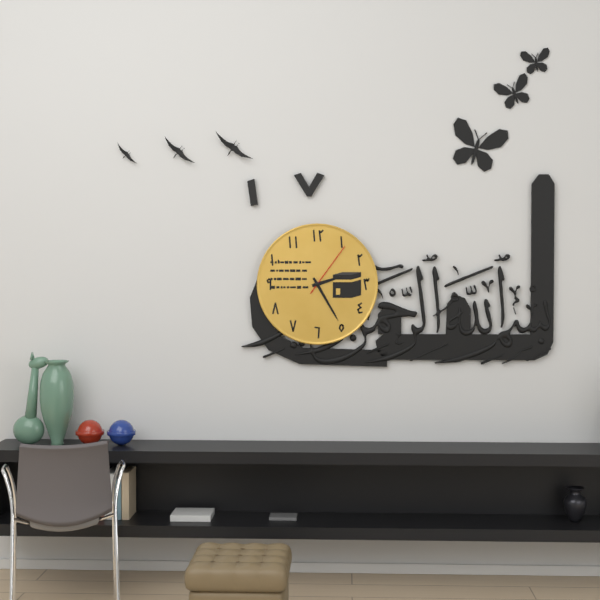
**2:25:06**
